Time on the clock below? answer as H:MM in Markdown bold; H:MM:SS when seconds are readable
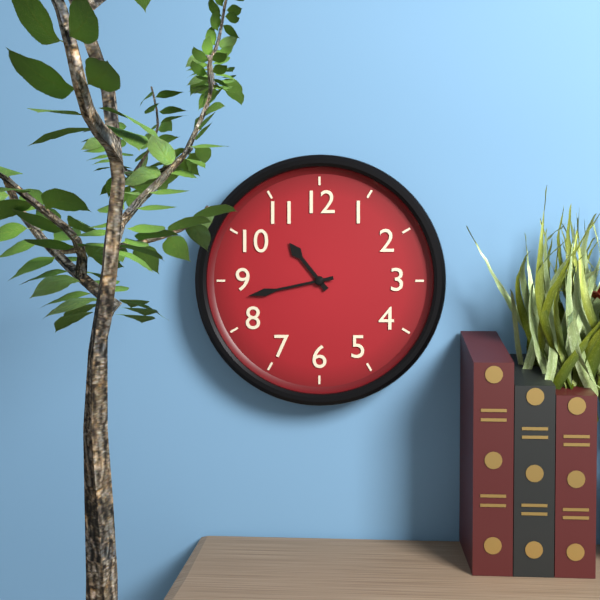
**10:43**
